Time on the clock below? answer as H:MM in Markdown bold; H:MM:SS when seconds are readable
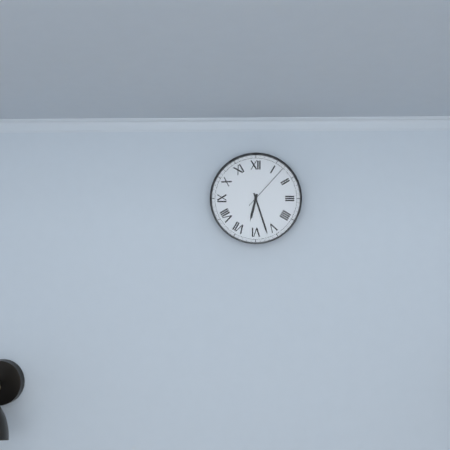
**6:27:07**
